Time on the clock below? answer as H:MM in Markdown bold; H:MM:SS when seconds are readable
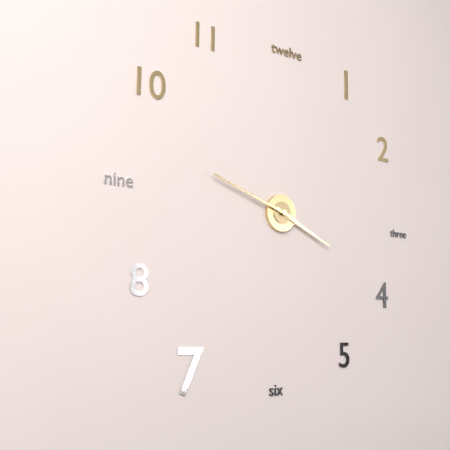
**3:48**
